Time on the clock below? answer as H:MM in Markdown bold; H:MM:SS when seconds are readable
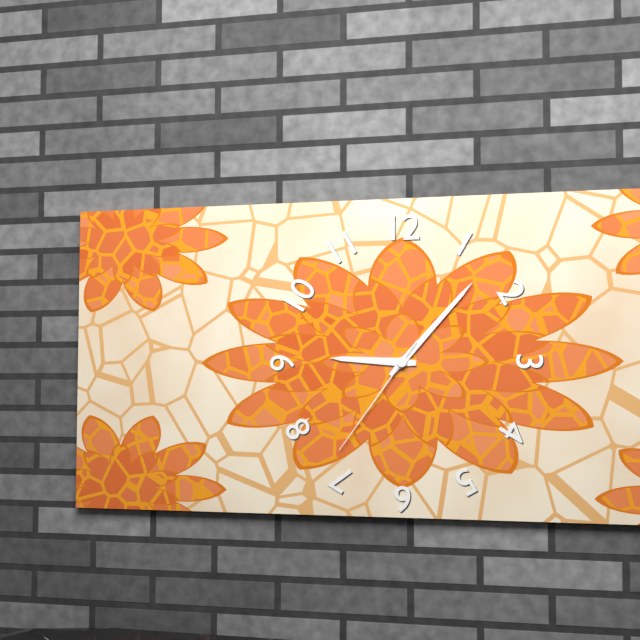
**9:07:36**
